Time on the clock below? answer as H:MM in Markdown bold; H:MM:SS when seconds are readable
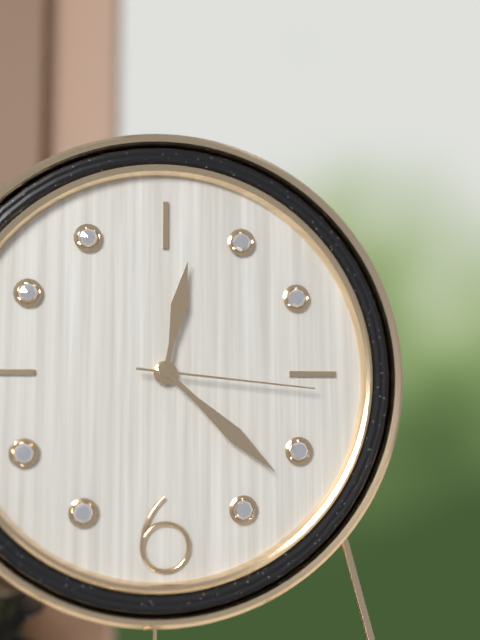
**12:22:16**
